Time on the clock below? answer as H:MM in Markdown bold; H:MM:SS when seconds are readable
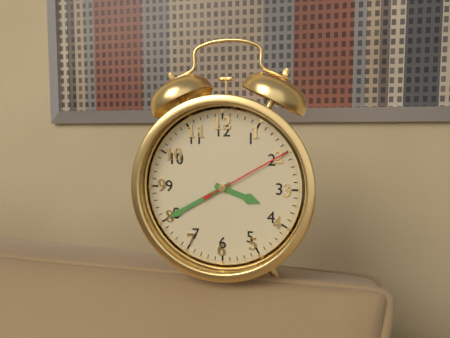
**3:40:10**
